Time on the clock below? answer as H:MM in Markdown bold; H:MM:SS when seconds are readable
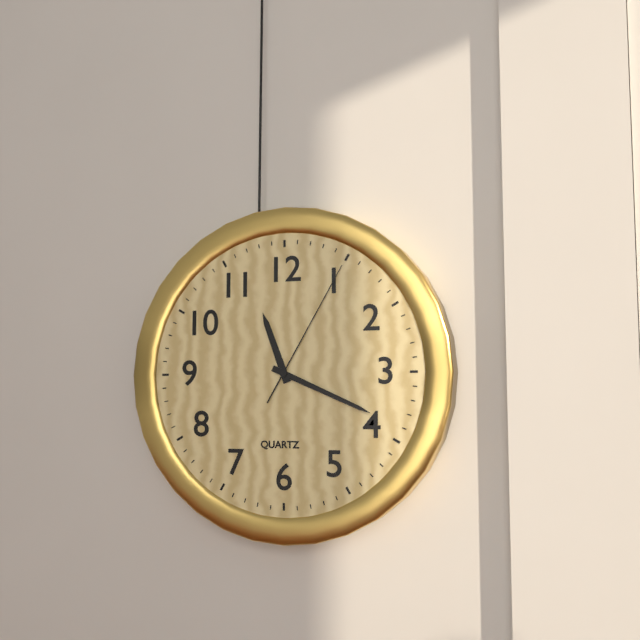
**11:19:05**
